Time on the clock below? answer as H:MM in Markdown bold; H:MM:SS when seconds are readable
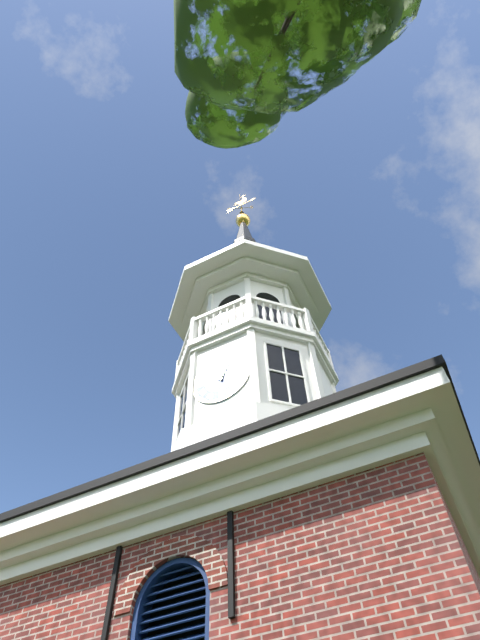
**12:59**
